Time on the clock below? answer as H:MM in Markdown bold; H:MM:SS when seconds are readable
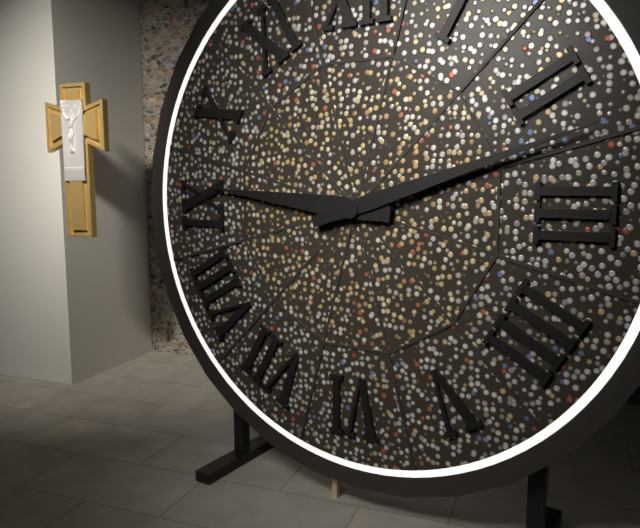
**9:12**
